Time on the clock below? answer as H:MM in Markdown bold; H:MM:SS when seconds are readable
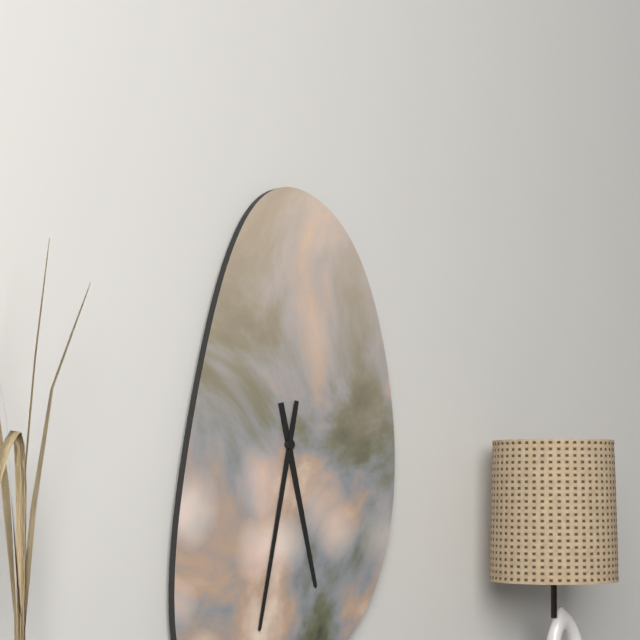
**5:32**
